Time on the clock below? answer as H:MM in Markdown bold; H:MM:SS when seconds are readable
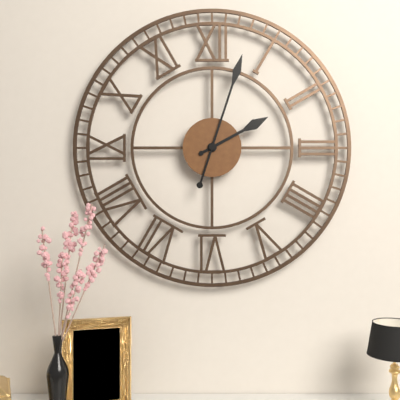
**2:03**
